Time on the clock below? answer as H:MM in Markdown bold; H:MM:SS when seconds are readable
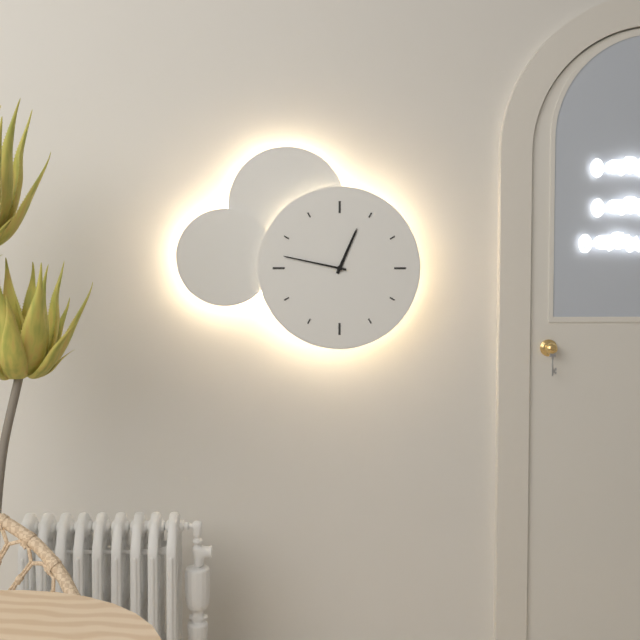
**12:47**
